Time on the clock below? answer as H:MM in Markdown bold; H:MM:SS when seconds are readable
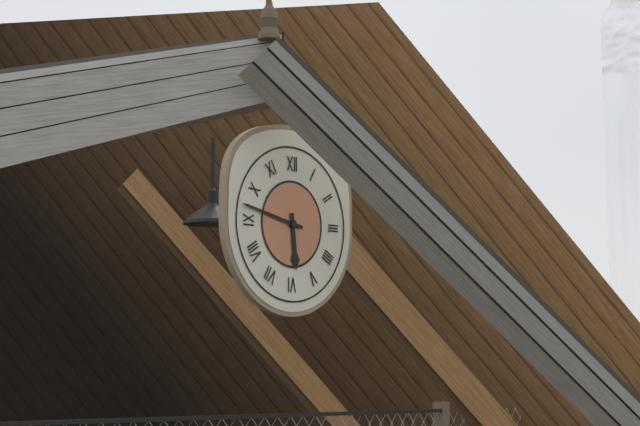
**5:47**
